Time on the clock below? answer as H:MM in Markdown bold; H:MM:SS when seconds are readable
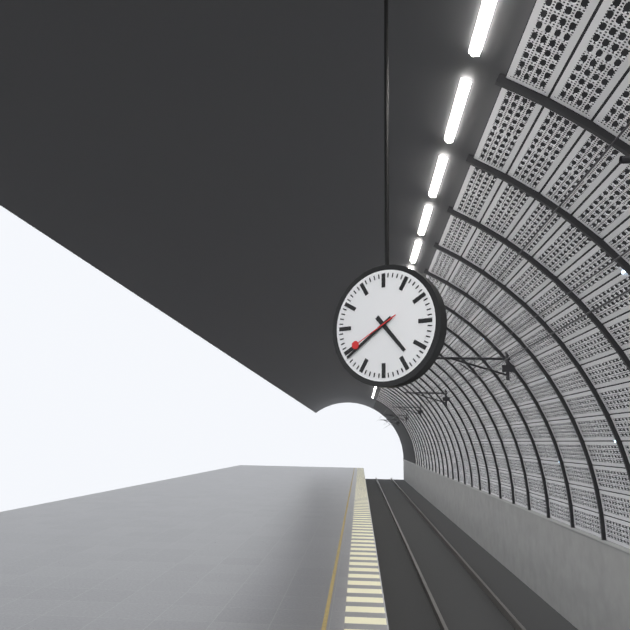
**4:39**
